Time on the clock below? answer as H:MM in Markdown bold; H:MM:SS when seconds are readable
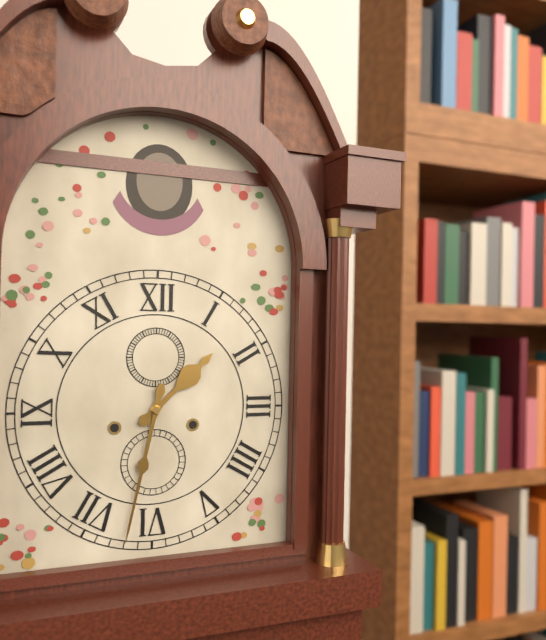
**1:32**
